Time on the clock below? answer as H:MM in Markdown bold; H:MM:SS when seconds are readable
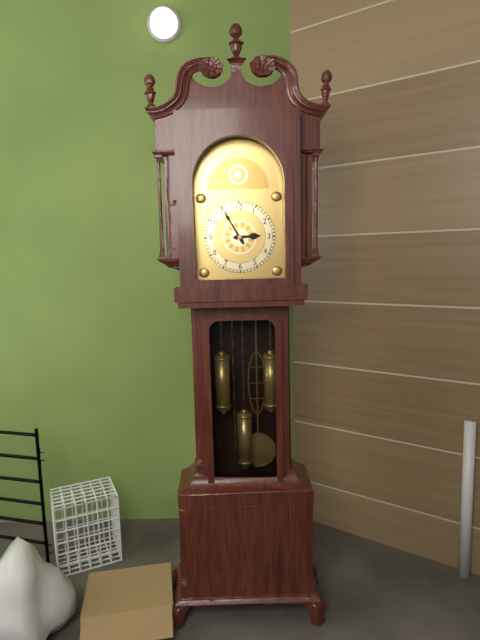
**2:55**
